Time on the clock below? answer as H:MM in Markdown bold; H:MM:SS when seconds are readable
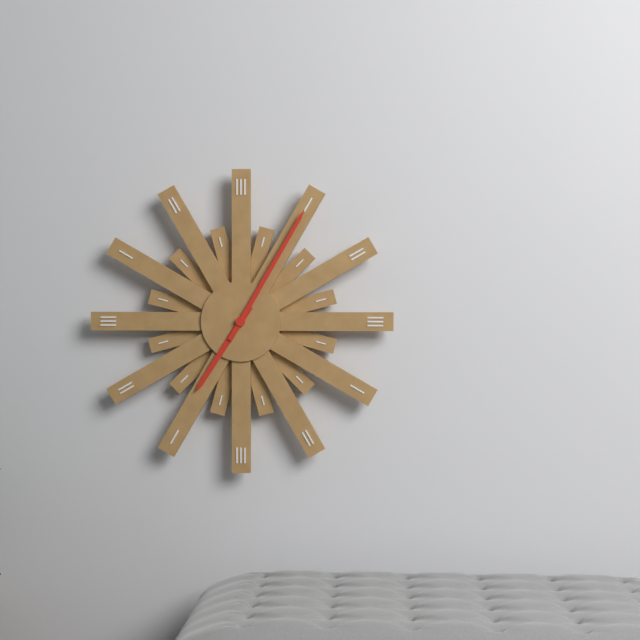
**7:05**
